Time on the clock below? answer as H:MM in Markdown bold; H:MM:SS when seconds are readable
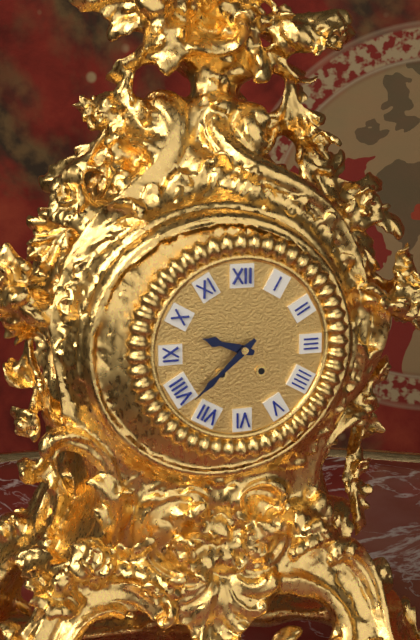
**9:38**
